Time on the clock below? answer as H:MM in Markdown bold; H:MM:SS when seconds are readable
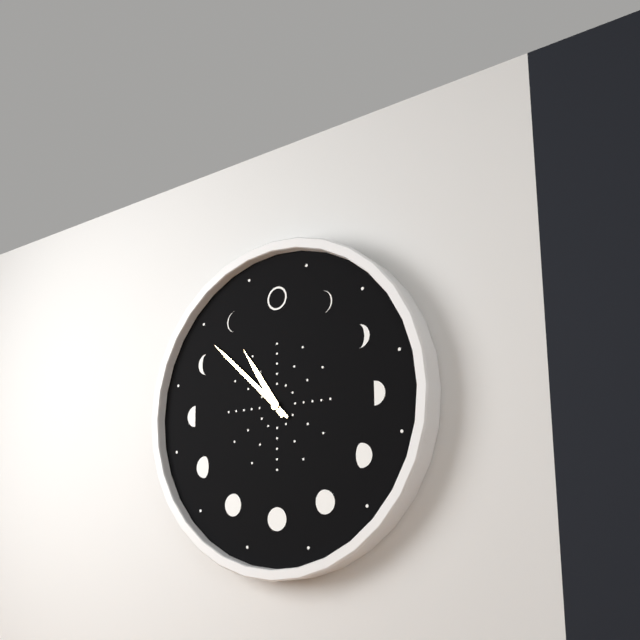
**10:52**
